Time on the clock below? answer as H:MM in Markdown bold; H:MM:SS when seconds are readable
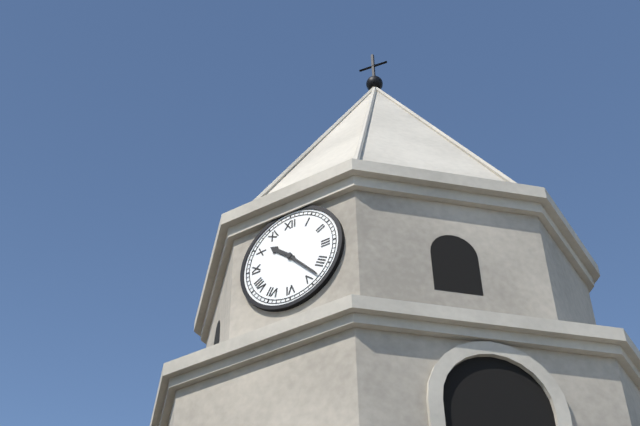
**10:23**
